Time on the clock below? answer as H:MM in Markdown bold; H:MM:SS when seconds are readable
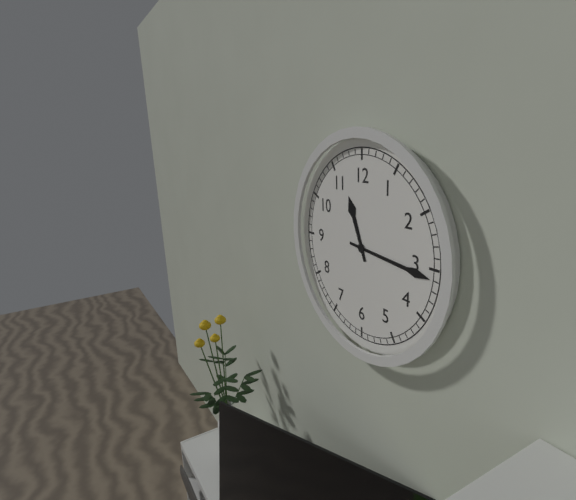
**11:16**
